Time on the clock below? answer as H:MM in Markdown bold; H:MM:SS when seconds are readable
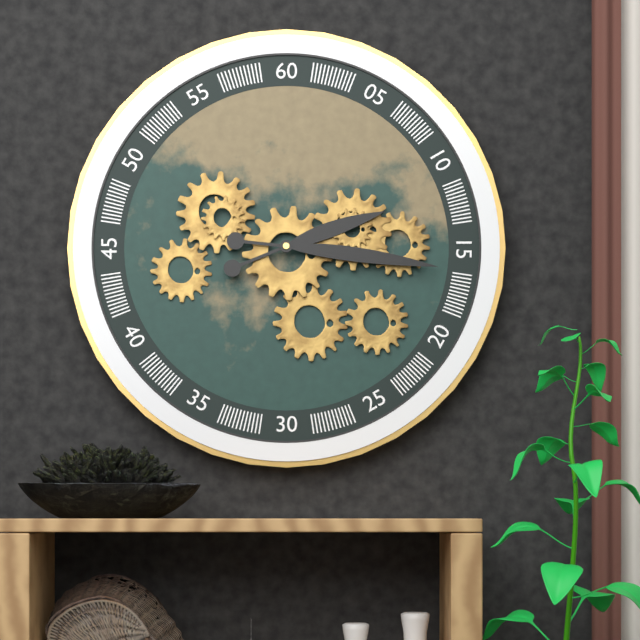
**2:16**
